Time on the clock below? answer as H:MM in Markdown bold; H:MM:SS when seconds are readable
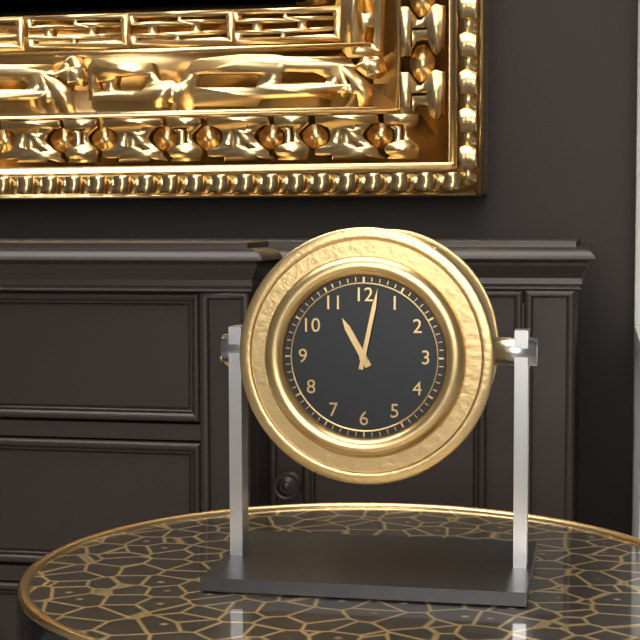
**11:02**
